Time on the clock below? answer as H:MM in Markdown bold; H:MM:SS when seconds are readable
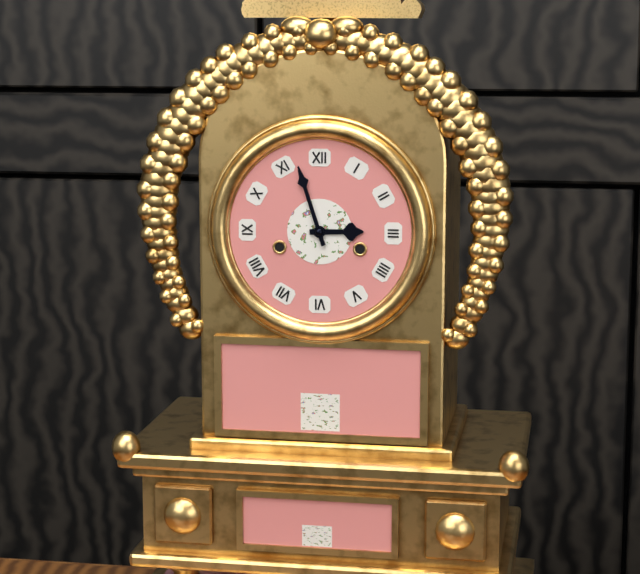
**2:57**
